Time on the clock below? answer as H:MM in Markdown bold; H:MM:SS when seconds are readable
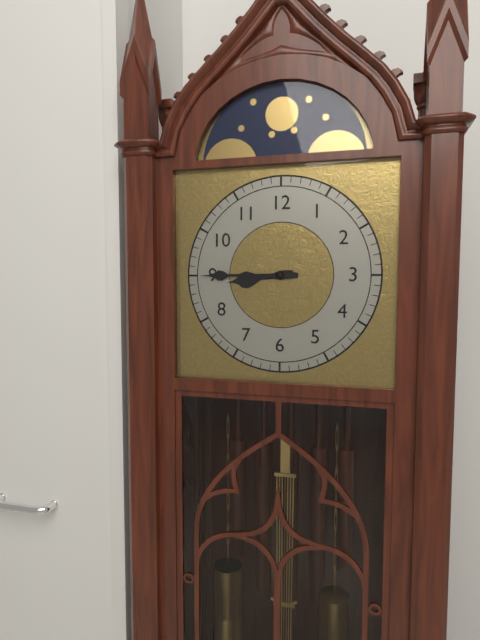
**8:45**
